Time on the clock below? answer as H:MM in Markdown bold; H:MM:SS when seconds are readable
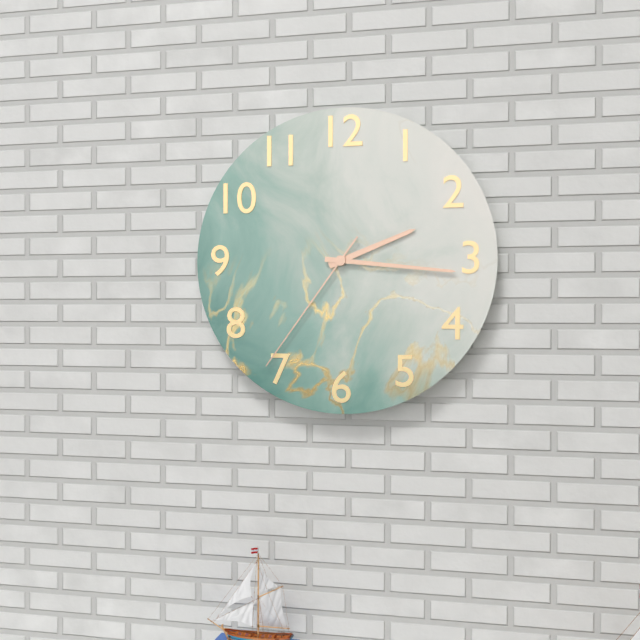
**2:16:36**
